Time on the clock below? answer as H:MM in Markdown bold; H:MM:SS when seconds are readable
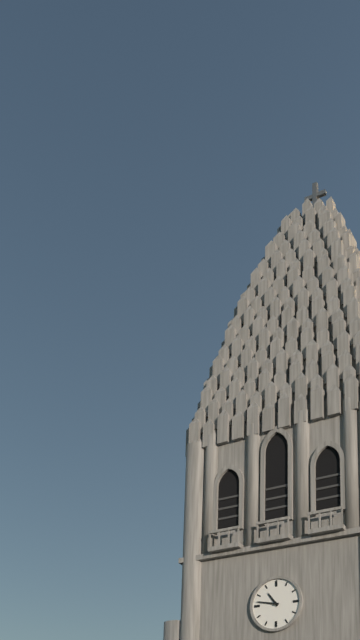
**10:47**
